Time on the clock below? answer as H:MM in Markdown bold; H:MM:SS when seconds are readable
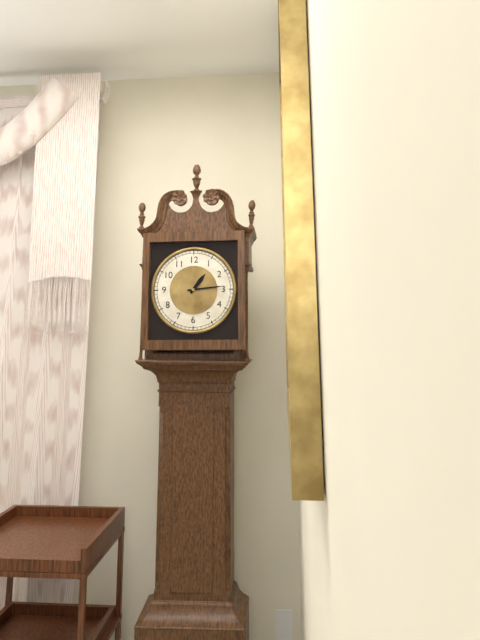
**1:14**
